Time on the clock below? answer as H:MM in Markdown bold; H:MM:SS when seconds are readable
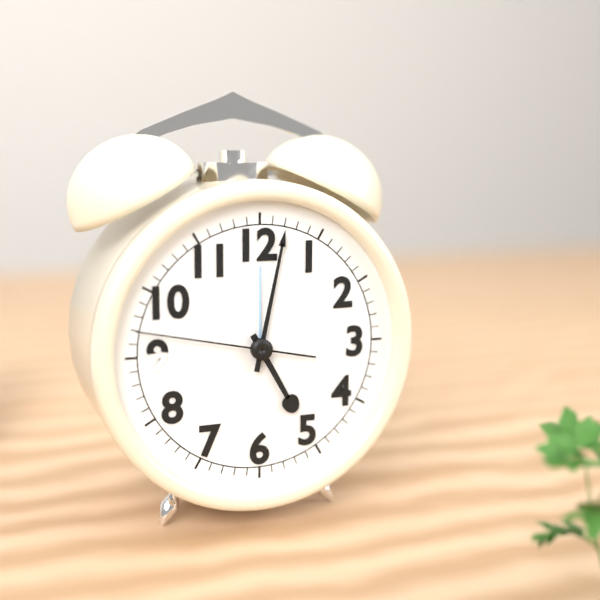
**5:02:47**
